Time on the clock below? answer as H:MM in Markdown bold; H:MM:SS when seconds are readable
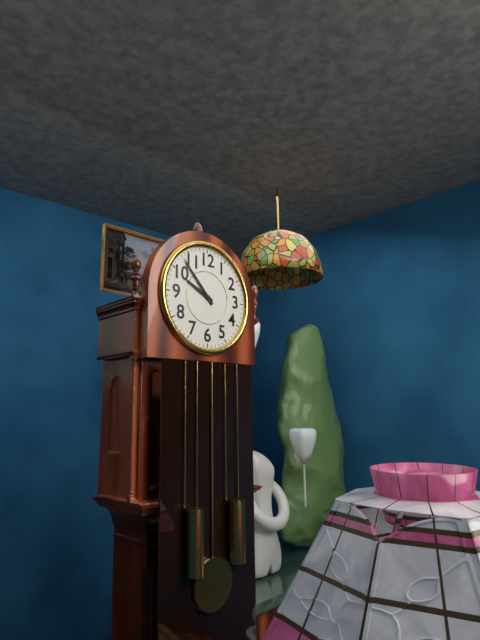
**9:53**
